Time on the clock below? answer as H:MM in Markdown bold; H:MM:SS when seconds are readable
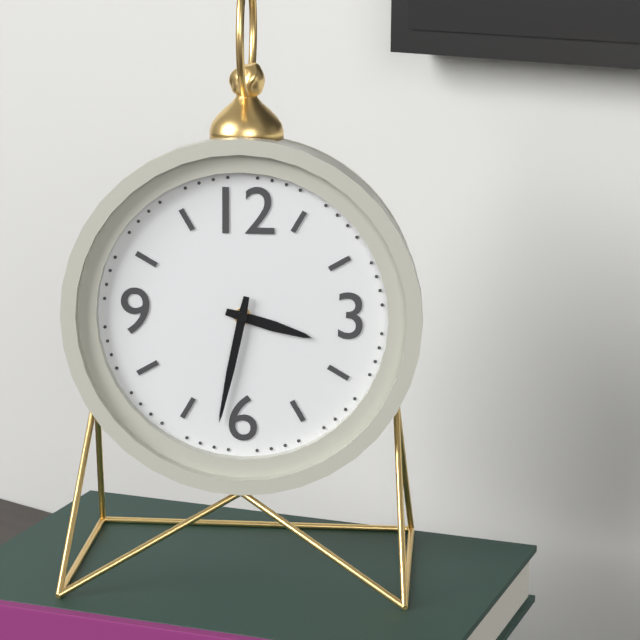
**3:32**
